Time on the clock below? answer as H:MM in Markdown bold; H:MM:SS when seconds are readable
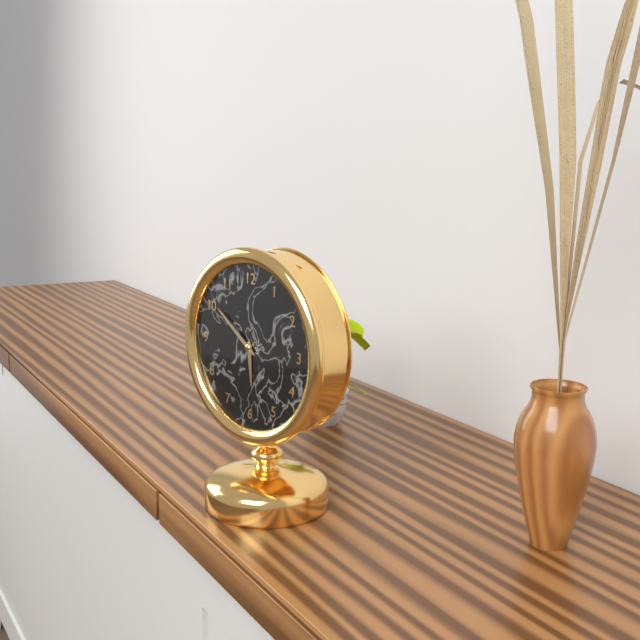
**5:51**
